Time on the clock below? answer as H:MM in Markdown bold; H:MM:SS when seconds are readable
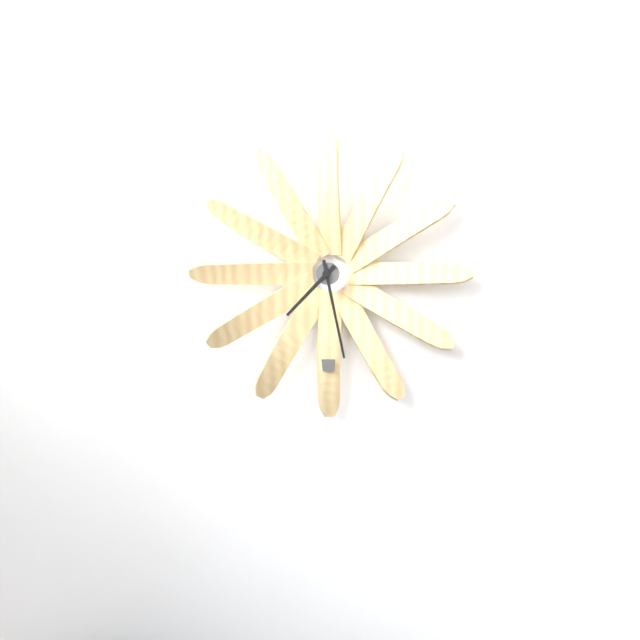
**7:28**
